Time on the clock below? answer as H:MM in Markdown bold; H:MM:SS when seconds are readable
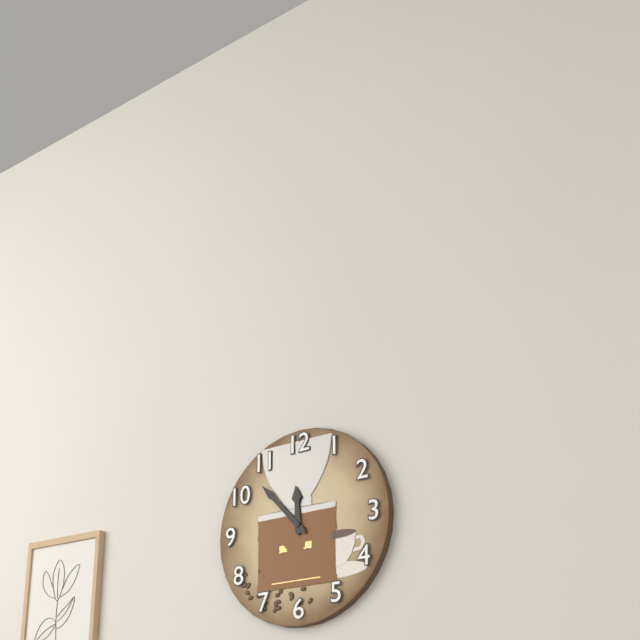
**11:53**
